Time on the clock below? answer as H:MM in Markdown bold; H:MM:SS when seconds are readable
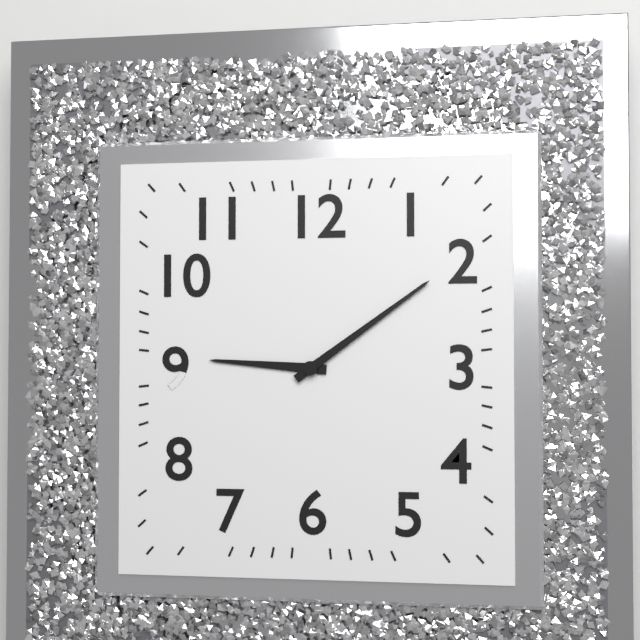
**9:09**
